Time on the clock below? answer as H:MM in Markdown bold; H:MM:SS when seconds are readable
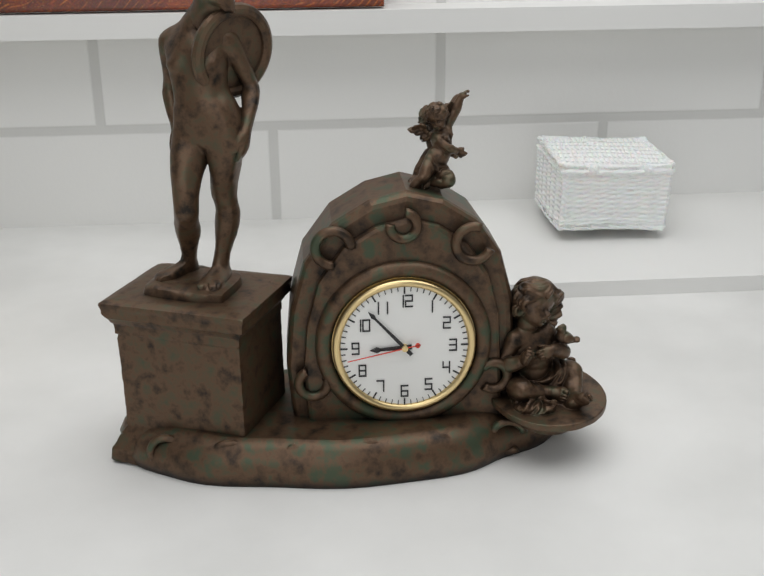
**8:53:43**
